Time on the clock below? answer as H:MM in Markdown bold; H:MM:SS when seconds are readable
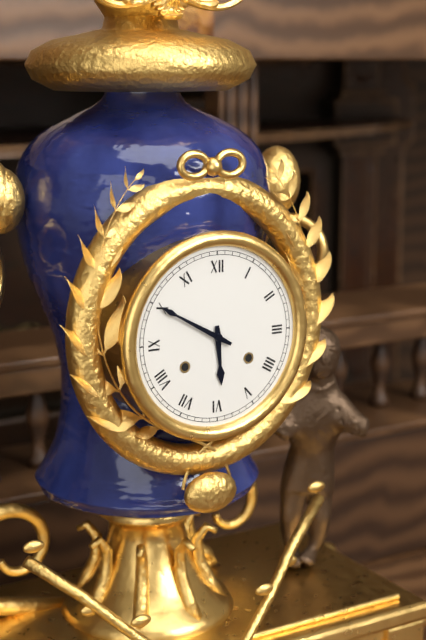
**5:50**
